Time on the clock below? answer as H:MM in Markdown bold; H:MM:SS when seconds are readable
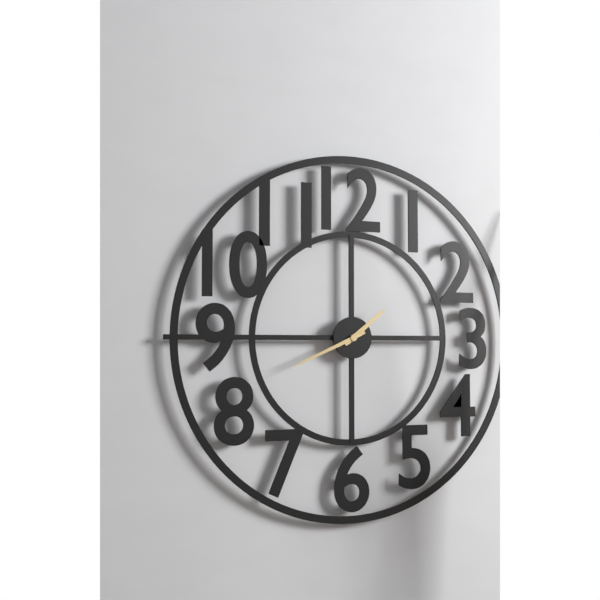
**1:41**
